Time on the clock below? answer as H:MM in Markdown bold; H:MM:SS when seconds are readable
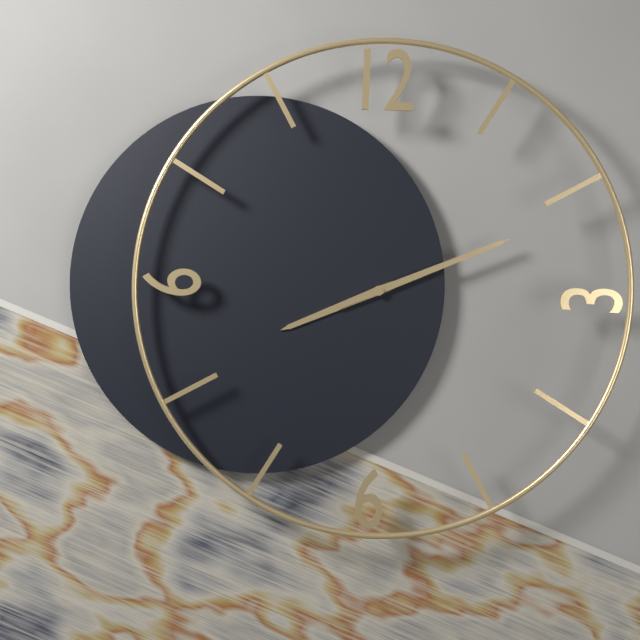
**8:11**
